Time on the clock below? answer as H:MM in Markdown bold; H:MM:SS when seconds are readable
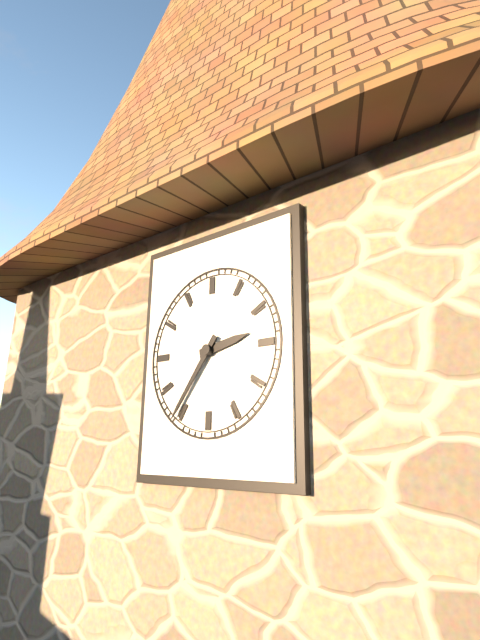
**2:36**
